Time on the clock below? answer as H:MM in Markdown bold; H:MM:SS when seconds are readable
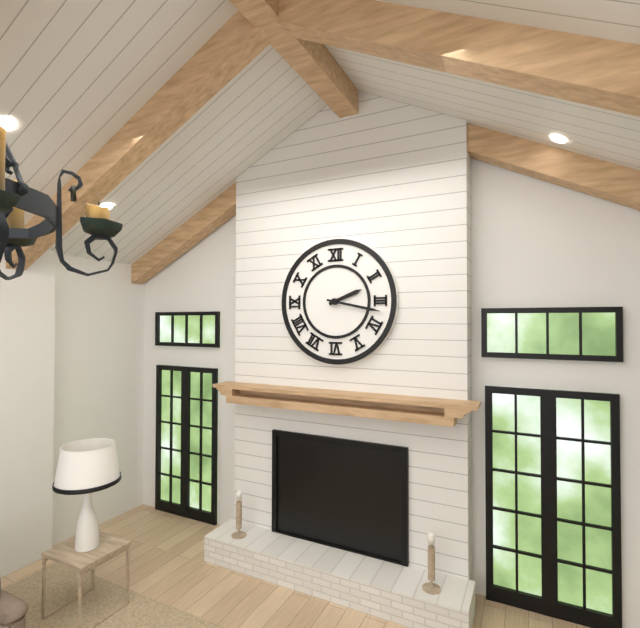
**2:17**
